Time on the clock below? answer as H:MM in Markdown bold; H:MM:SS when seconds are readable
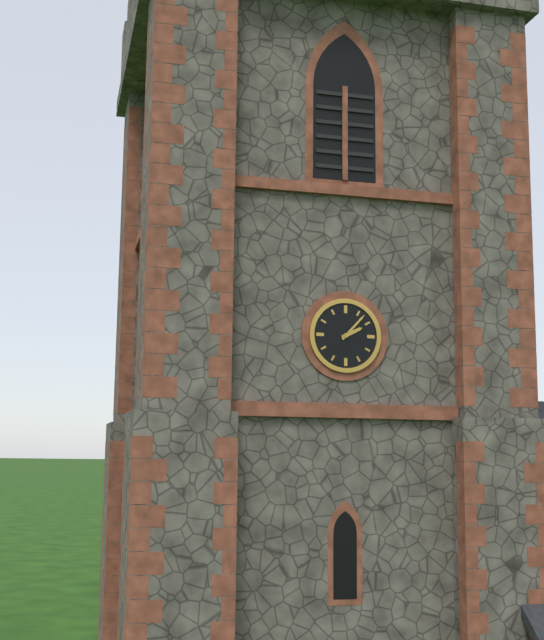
**2:07**
